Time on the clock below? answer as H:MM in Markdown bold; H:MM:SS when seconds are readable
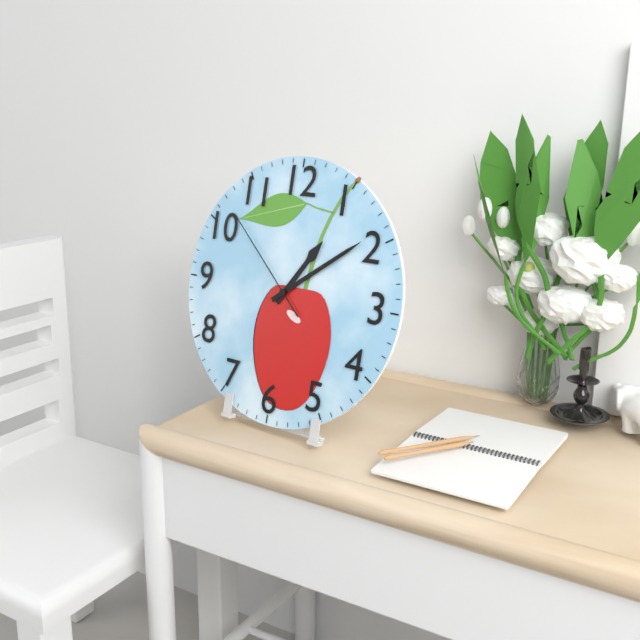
**1:09:52**
